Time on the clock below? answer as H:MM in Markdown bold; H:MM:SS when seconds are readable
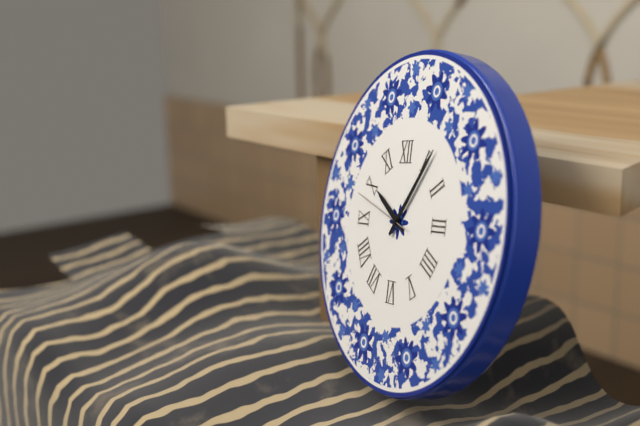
**10:06:48**
